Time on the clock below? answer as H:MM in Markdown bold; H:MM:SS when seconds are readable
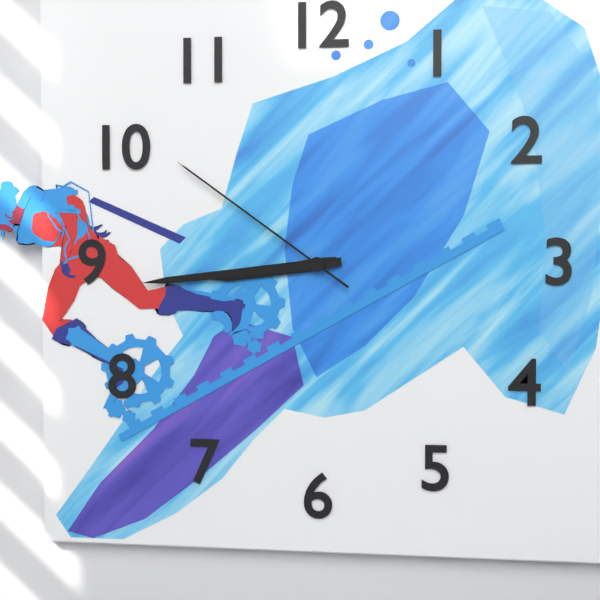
**8:44:51**
